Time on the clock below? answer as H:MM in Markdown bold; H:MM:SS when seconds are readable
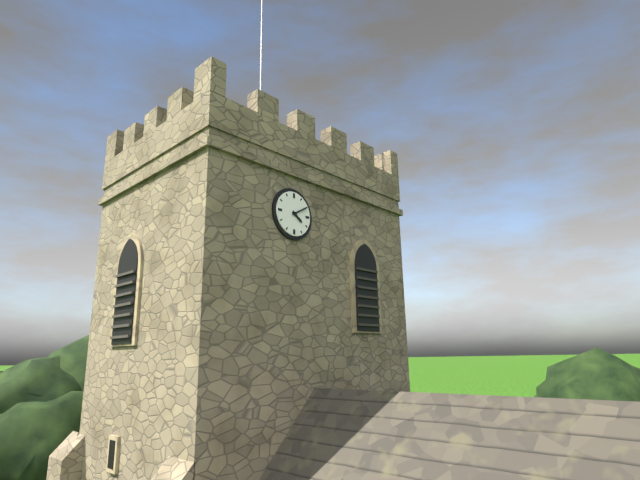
**4:10**
